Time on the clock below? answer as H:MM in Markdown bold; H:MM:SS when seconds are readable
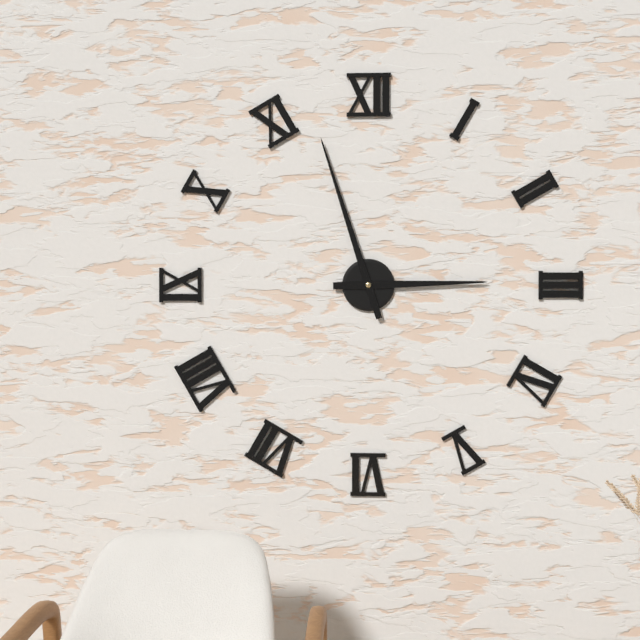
**2:57**
